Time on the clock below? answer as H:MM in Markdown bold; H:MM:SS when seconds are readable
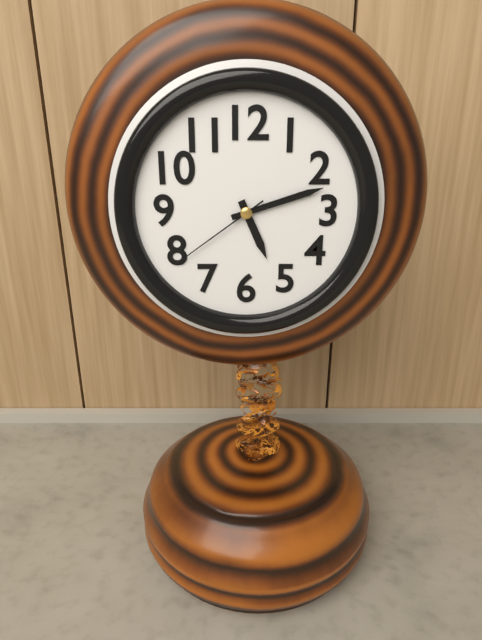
**5:12:39**
